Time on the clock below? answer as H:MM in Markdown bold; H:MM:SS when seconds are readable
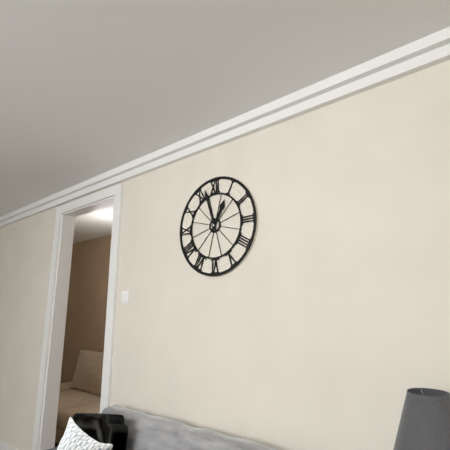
**12:57**
